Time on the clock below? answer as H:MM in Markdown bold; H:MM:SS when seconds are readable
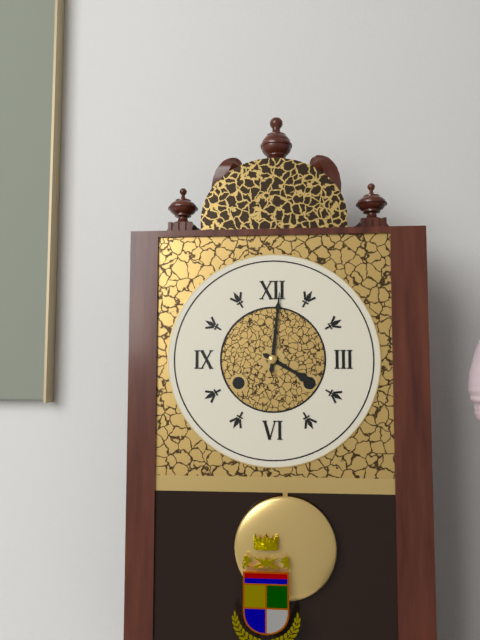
**4:01**
